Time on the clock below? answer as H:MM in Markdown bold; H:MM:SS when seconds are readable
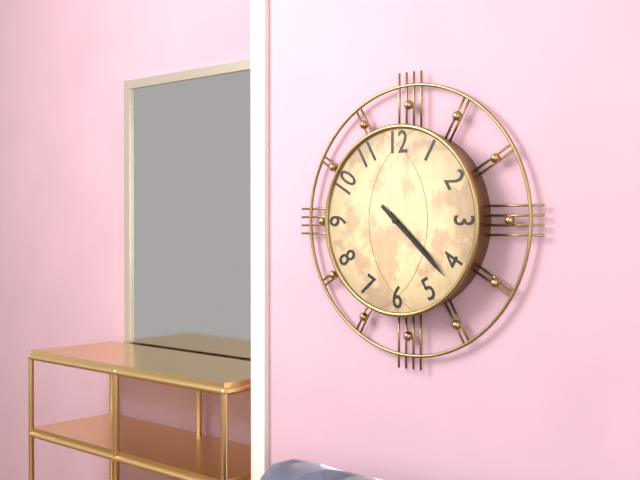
**4:22**
